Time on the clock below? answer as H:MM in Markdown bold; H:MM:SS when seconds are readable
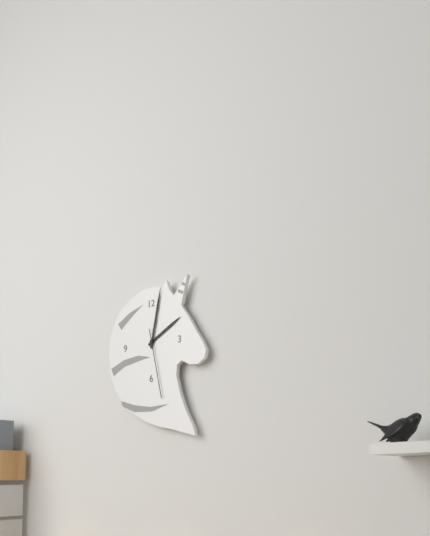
**2:02:28**
